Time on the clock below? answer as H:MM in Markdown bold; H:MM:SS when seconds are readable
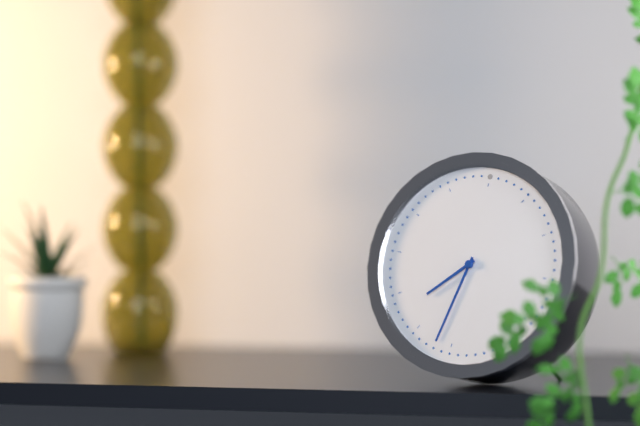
**7:32**
